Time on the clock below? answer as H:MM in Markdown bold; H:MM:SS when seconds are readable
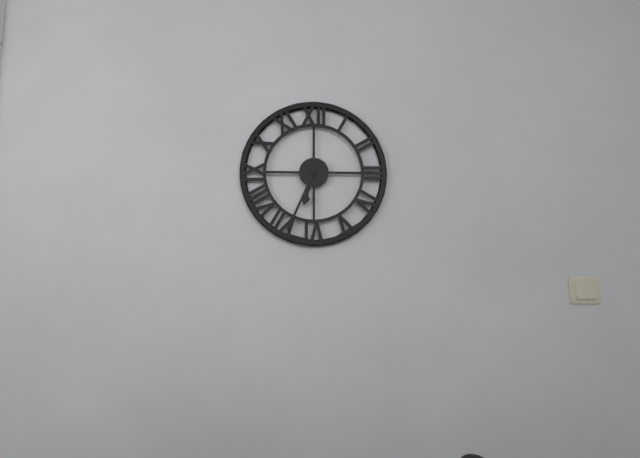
**6:34**
